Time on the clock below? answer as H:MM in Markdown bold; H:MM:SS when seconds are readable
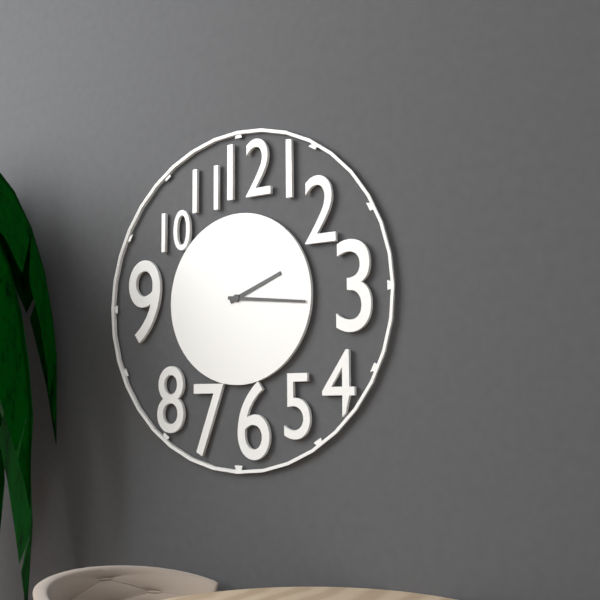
**2:16**
